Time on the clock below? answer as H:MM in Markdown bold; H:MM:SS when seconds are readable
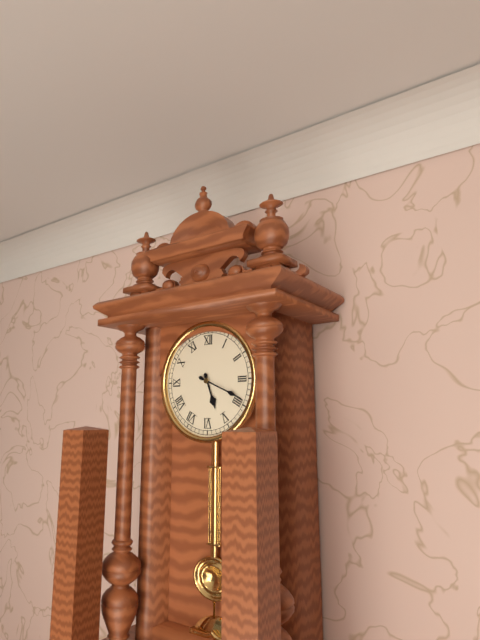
**5:19**
